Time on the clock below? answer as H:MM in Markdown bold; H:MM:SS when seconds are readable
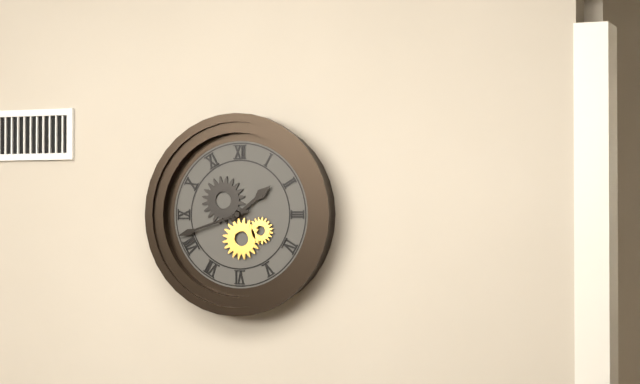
**1:42**
